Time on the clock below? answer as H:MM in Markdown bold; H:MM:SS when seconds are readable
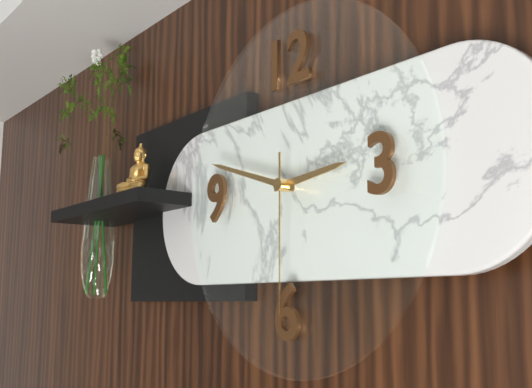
**2:48:30**
